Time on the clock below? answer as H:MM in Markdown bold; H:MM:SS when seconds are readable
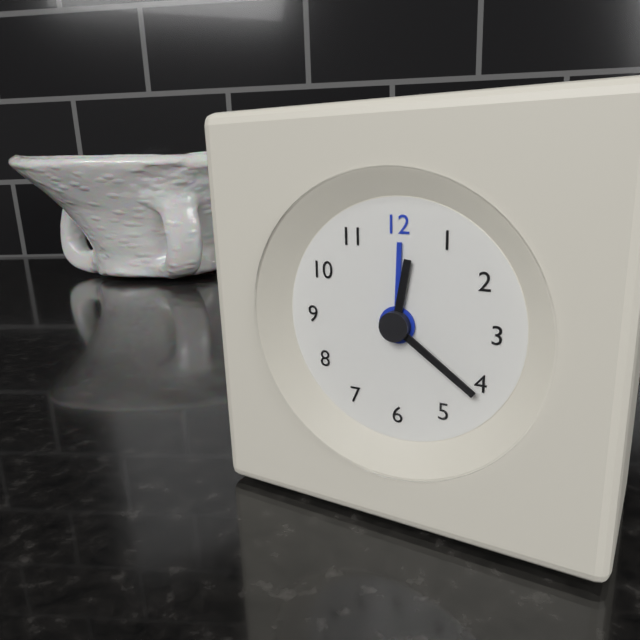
**12:21**
